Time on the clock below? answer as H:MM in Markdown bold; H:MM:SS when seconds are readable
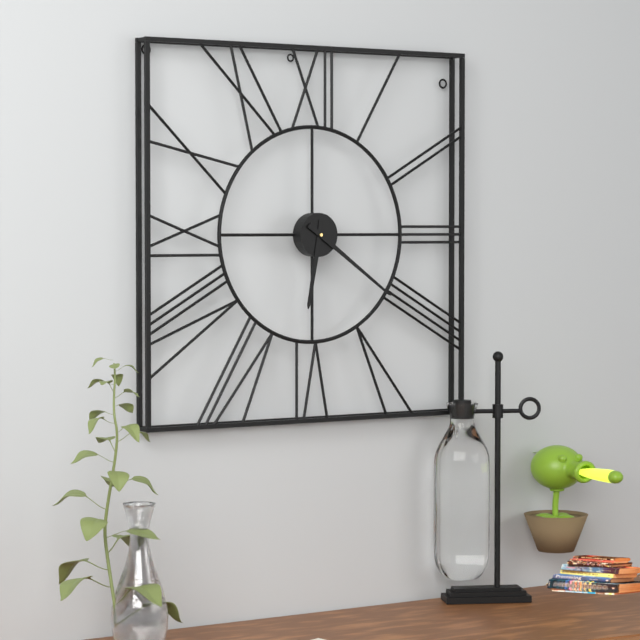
**6:21**
